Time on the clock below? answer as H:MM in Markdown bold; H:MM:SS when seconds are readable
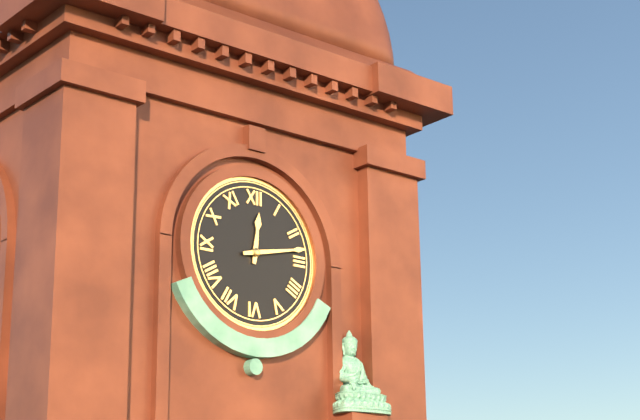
**12:13**
